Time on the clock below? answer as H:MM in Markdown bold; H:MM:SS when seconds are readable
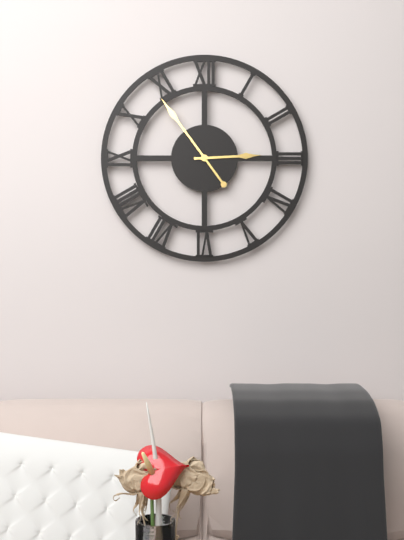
**2:54**
